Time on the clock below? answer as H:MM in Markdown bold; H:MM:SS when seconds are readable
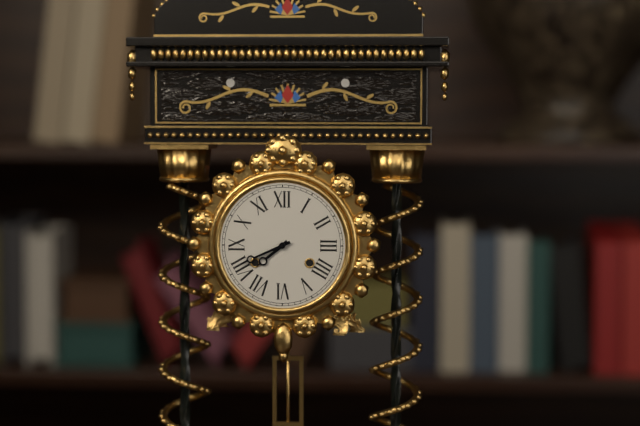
**7:41**
